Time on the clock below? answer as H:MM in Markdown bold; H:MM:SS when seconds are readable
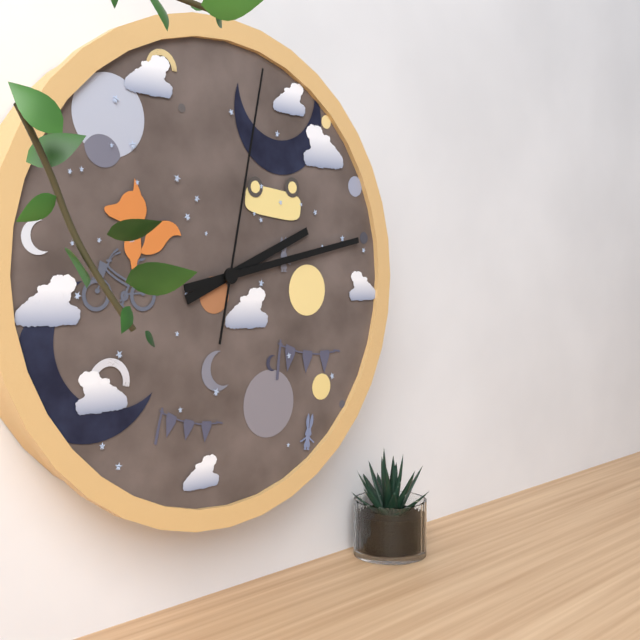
**2:13:02**
